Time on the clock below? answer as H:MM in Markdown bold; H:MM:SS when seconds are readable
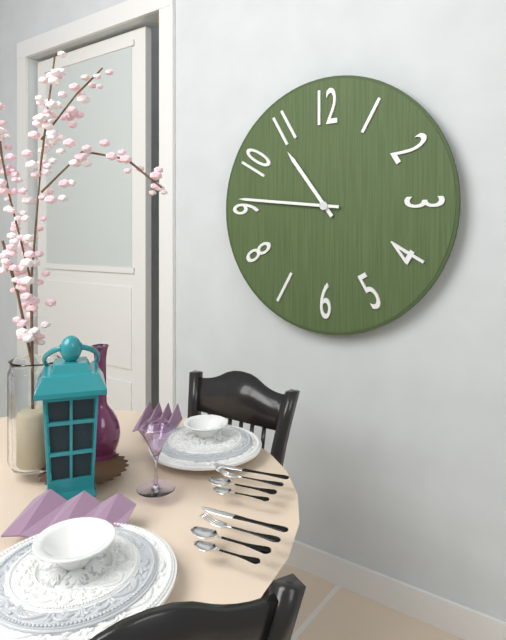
**10:46**
